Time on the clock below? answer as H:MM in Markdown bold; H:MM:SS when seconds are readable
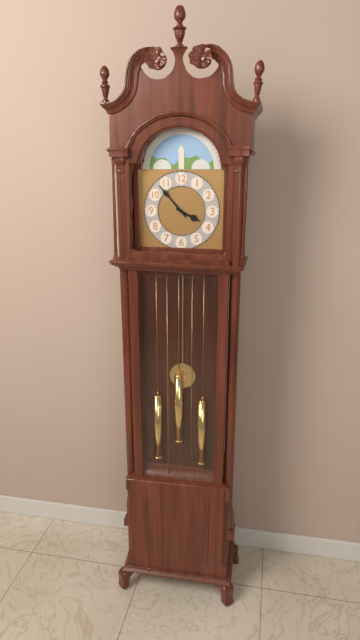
**3:53**
